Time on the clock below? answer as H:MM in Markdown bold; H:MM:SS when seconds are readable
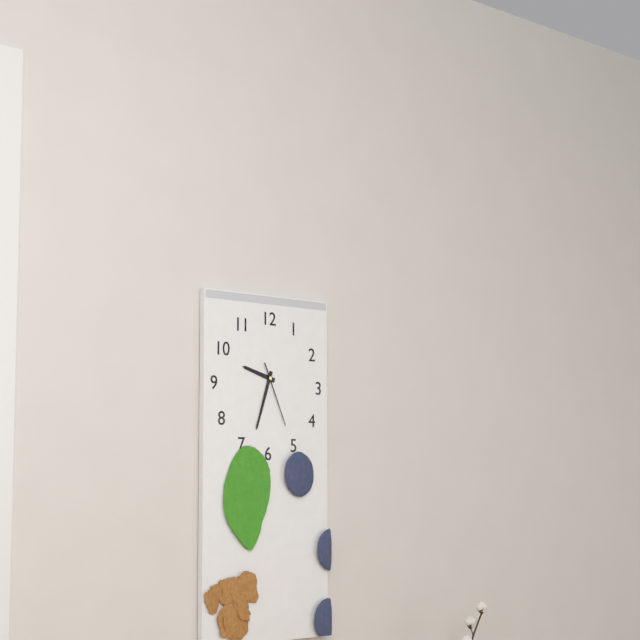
**9:33:26**
